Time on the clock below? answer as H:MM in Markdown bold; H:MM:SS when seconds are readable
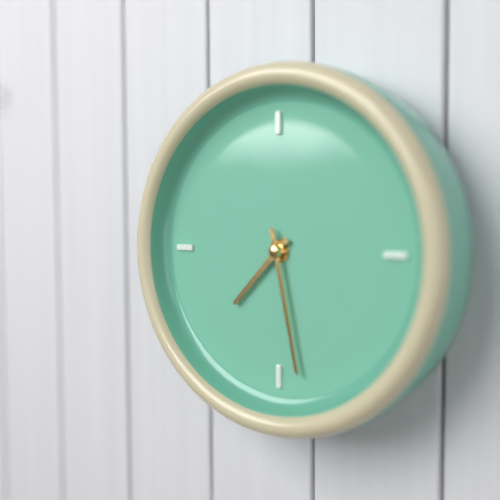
**7:28**
